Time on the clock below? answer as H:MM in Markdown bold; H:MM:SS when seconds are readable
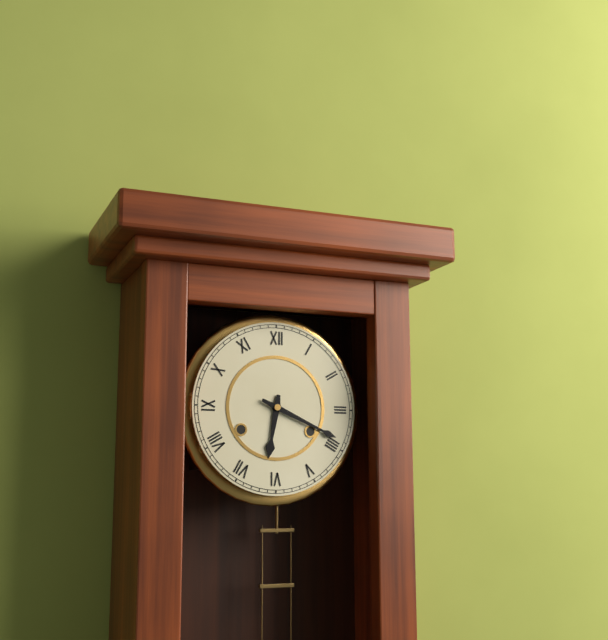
**6:19**
